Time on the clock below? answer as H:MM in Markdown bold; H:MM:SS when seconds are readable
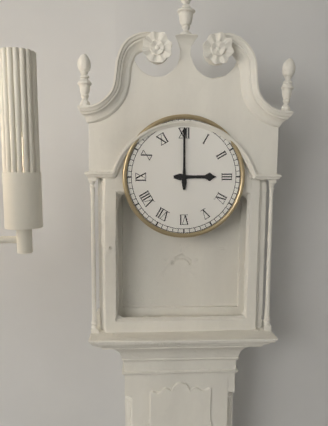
**3:00**
